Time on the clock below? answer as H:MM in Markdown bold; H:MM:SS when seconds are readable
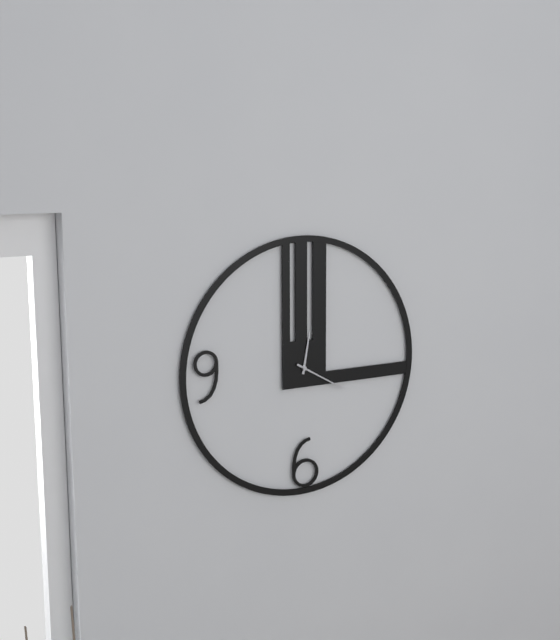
**12:20**
